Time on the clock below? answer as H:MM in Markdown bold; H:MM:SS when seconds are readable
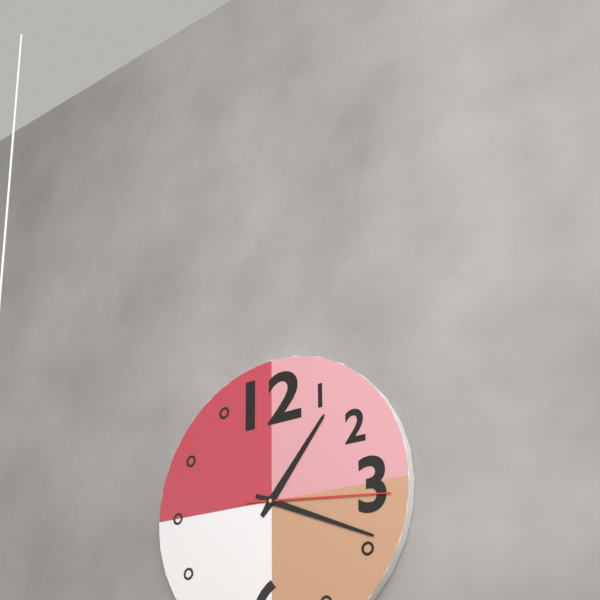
**1:19:16**
